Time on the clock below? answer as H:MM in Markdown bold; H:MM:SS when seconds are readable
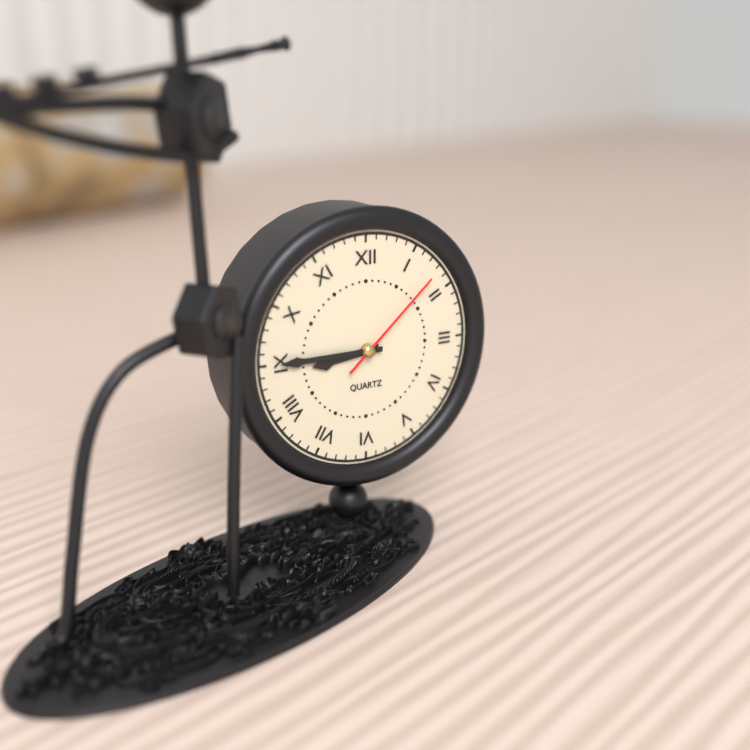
**8:45:08**
